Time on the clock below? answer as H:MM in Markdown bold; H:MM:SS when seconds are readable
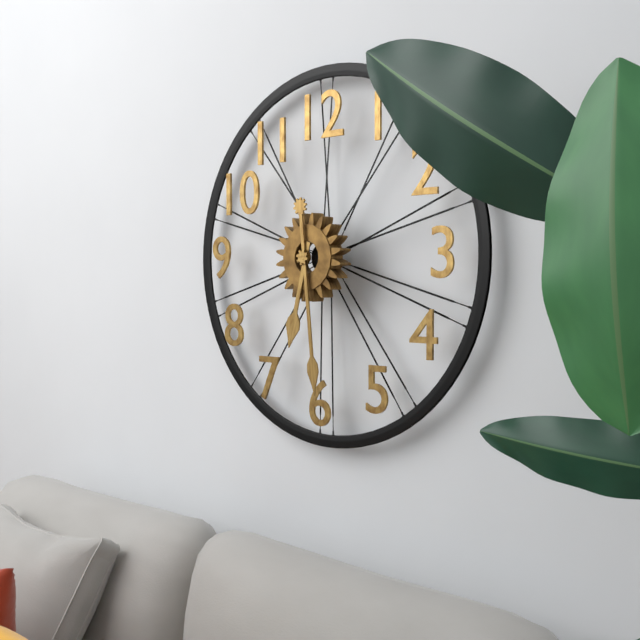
**6:29**
